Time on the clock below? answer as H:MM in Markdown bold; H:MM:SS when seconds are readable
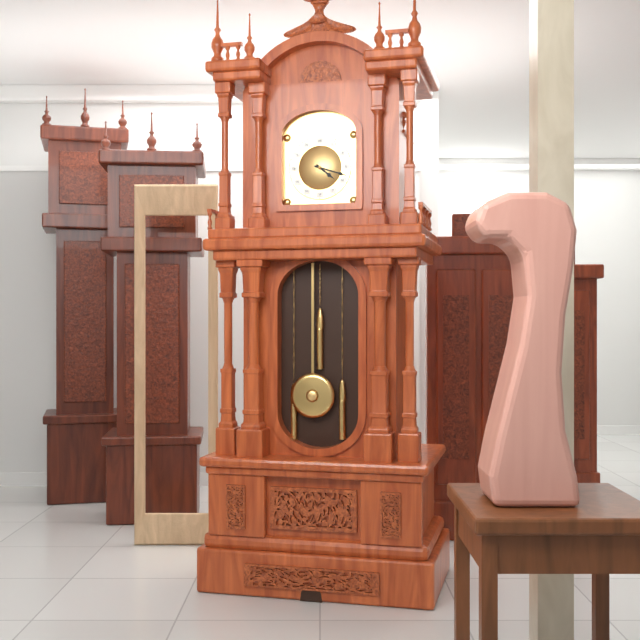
**4:18**
